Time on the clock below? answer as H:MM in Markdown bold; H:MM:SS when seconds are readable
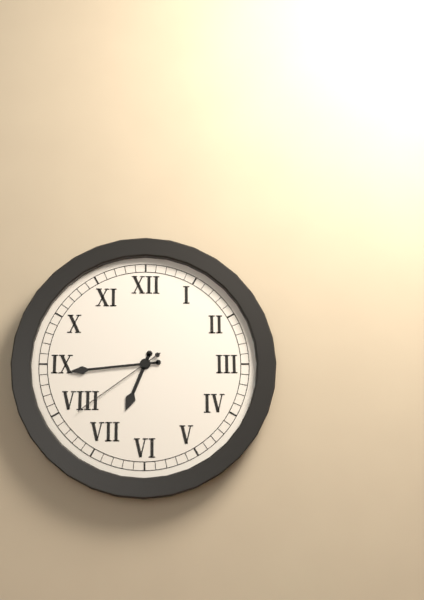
**6:44:39**
